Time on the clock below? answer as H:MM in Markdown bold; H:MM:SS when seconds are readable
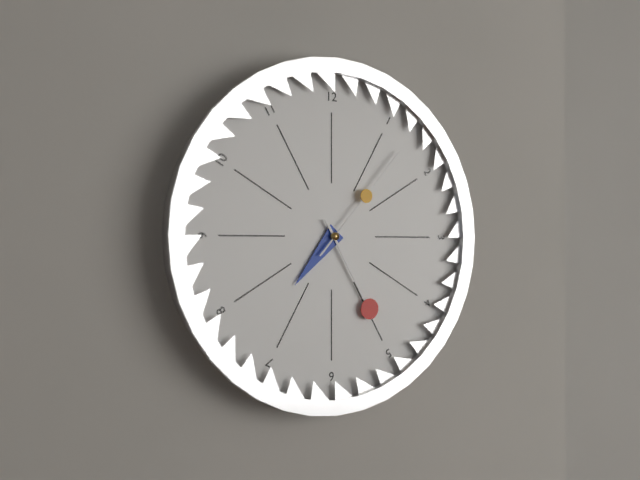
**7:25:07**
